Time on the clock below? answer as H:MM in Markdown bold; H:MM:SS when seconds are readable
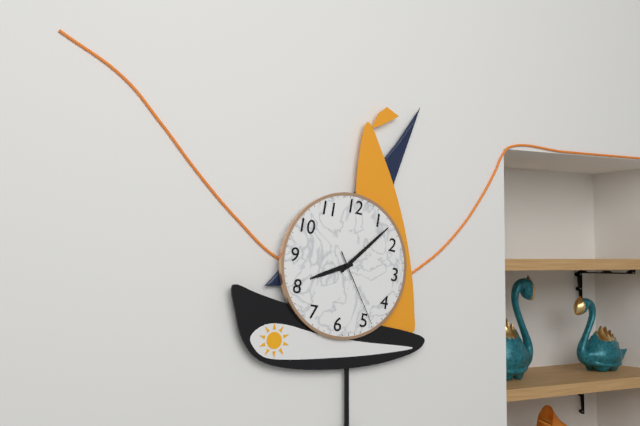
**8:07:24**
